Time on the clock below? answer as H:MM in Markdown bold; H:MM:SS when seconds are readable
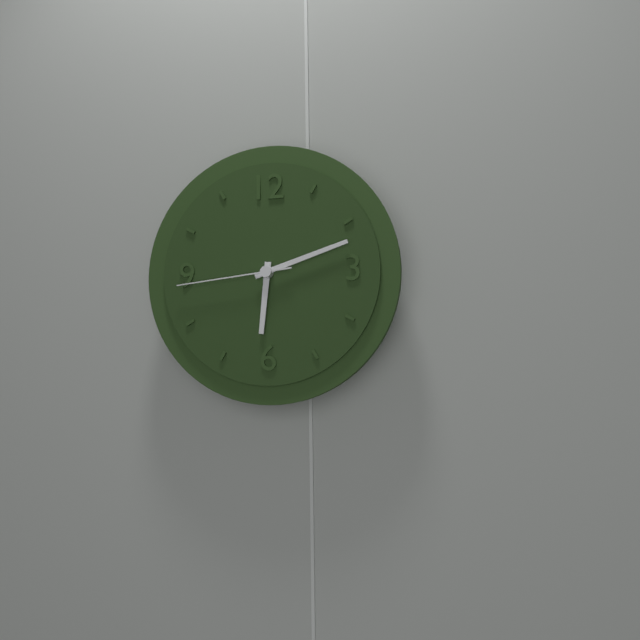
**6:12:44**
